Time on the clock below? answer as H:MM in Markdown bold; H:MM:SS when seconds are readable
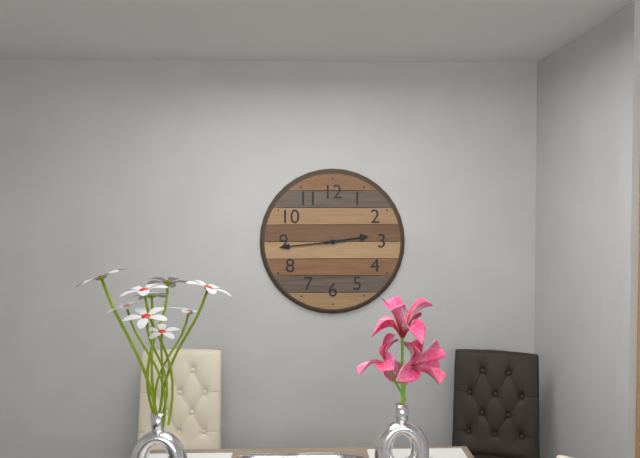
**2:44**
